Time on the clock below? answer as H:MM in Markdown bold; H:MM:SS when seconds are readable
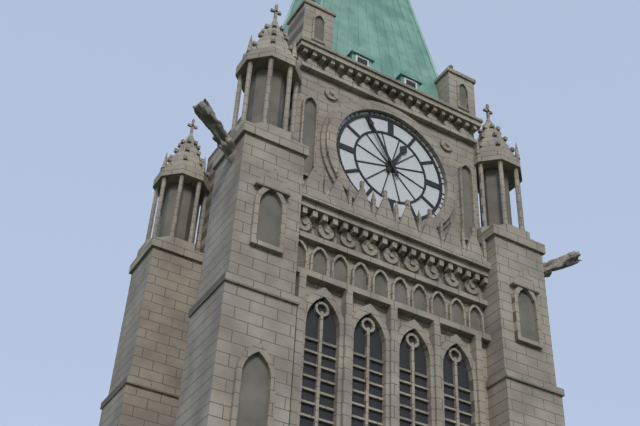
**12:55**
